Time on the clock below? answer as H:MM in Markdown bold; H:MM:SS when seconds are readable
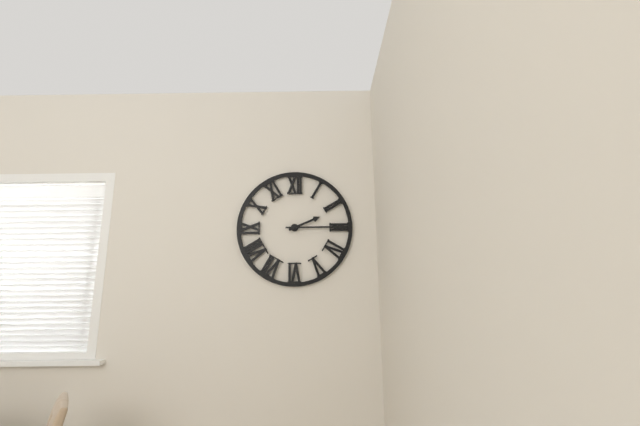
**2:15**
